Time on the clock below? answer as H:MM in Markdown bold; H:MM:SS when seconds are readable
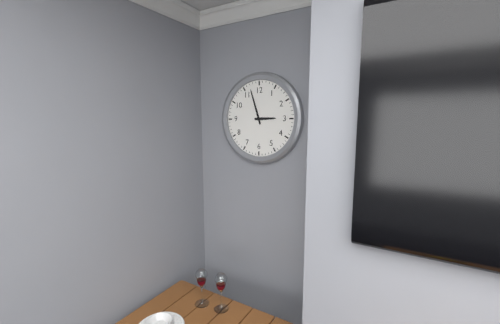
**2:57**
